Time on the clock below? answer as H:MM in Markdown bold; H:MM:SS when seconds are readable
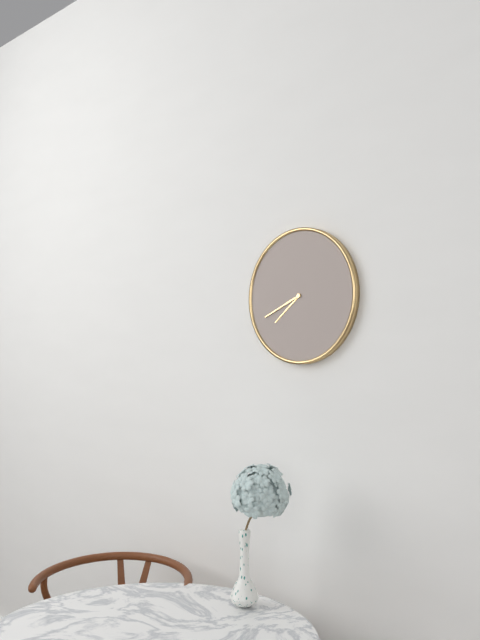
**7:41**
